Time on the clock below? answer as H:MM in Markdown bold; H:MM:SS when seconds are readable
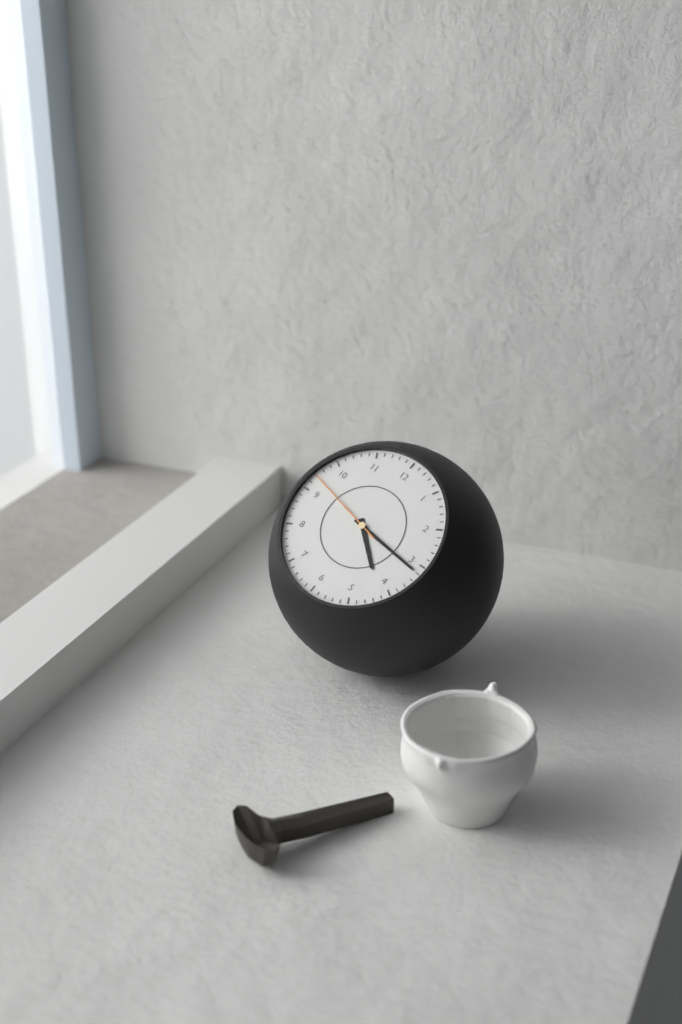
**4:16:47**
